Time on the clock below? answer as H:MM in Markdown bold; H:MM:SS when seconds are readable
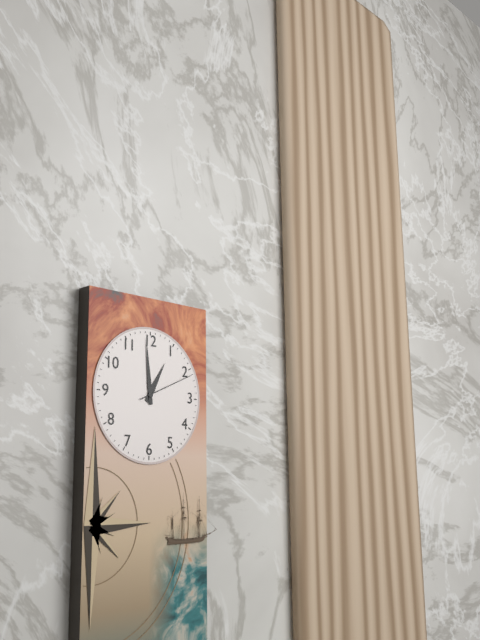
**12:59:11**
